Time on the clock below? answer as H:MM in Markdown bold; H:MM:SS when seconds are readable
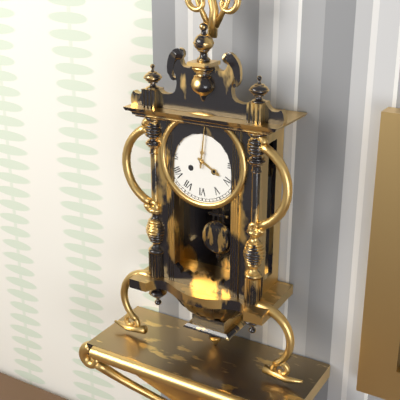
**4:01**
